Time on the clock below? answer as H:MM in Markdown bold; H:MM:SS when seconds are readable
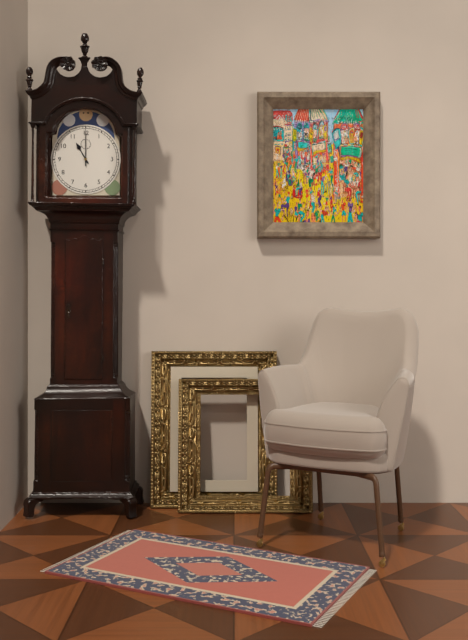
**11:00**
